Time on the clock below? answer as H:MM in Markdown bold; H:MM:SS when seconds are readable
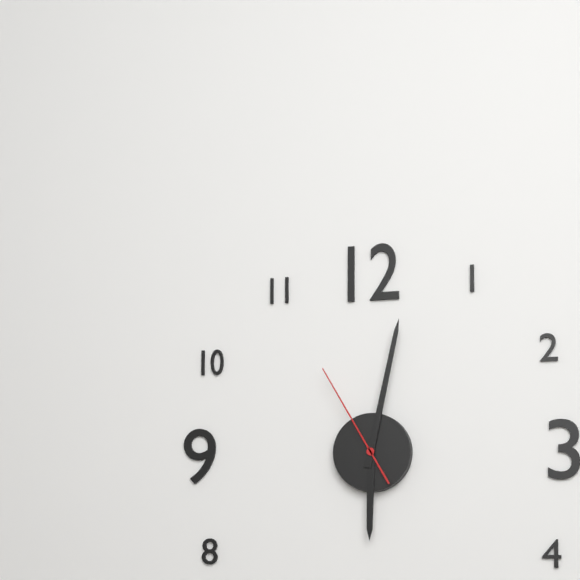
**6:02:55**
